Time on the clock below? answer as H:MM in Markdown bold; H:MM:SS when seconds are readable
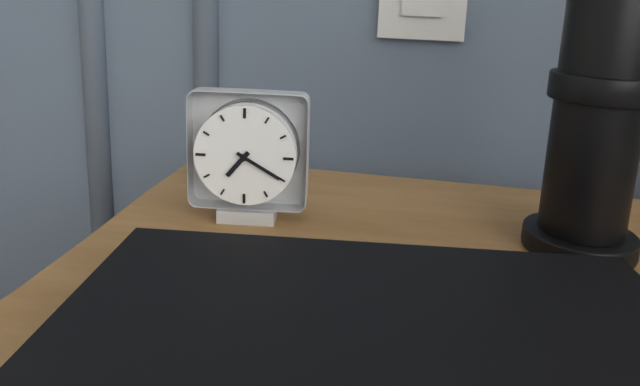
**7:20**
